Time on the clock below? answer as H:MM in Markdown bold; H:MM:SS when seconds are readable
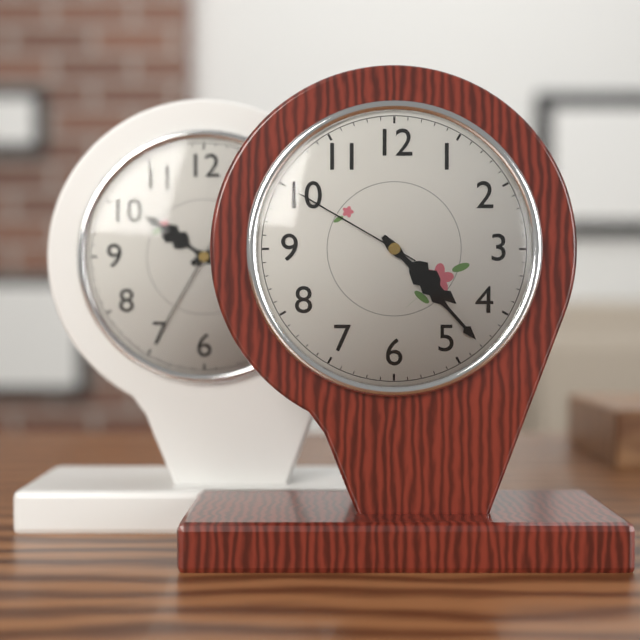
**4:23:50**
